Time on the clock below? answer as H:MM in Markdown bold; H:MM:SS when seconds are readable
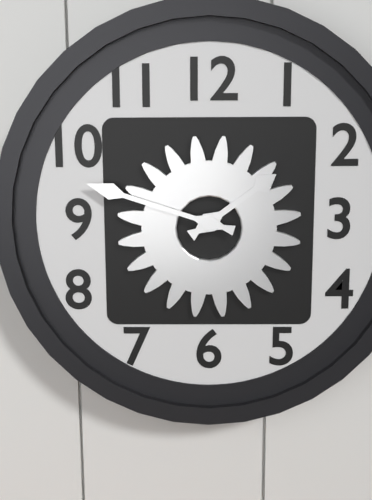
**1:48**
